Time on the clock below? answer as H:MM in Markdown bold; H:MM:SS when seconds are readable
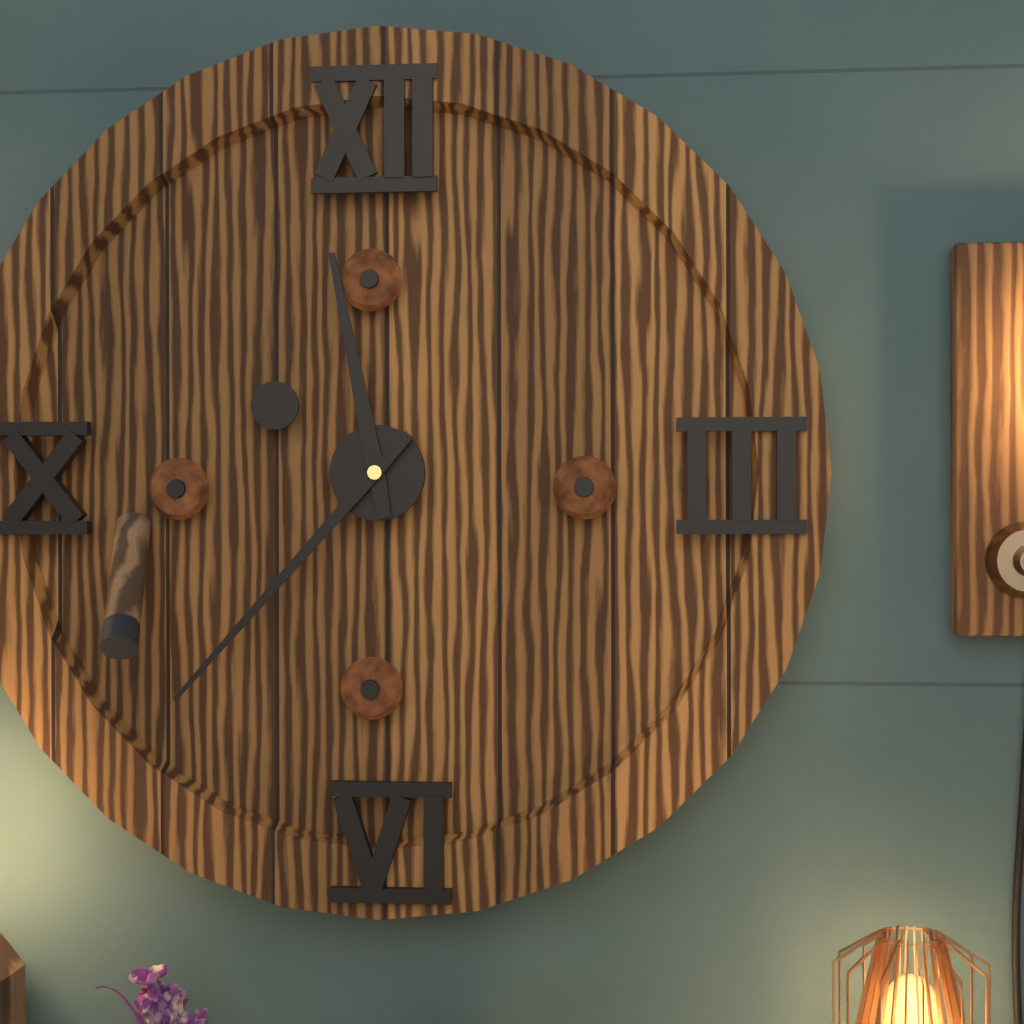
**11:37**
